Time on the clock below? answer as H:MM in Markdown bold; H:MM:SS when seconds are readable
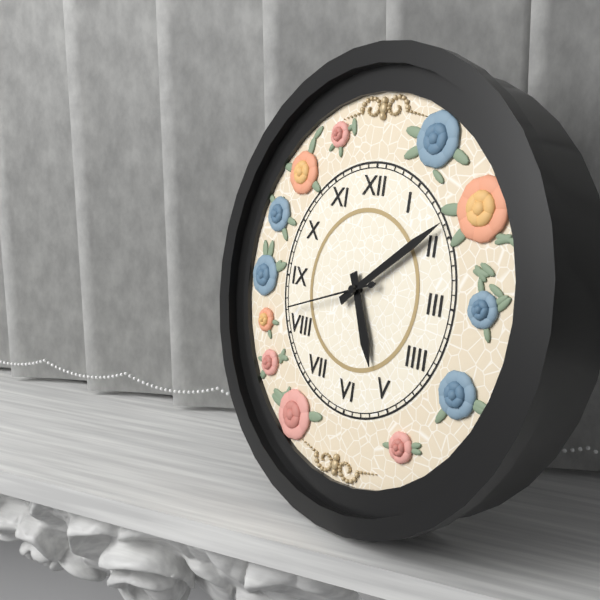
**5:09:42**
